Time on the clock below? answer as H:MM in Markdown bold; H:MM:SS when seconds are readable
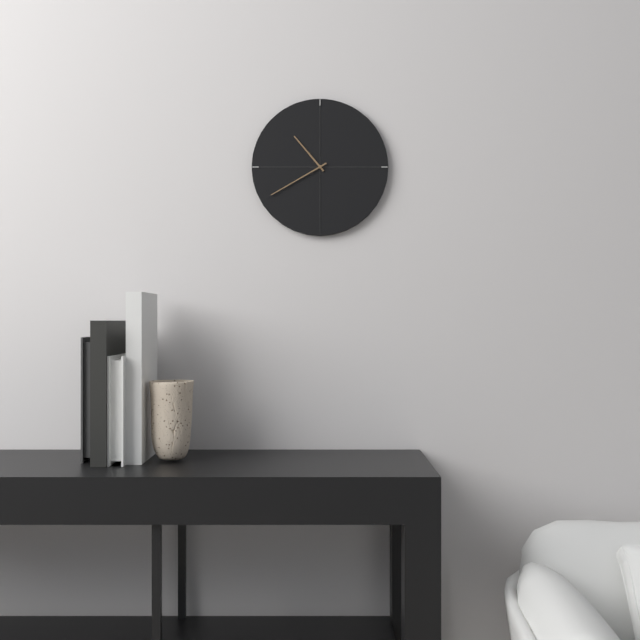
**10:40**
